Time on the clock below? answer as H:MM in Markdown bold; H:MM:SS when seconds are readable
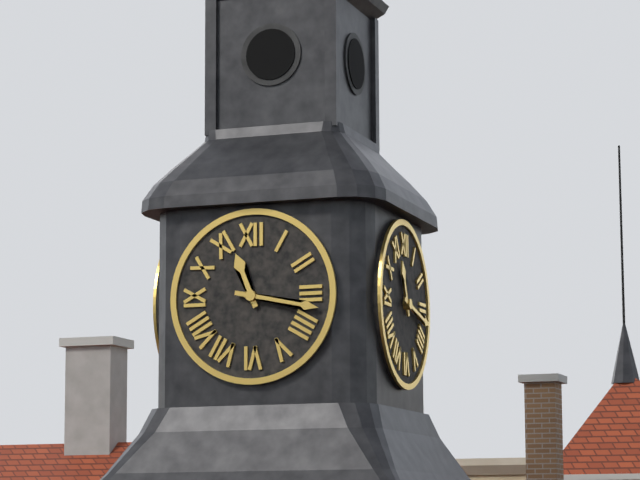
**11:17**
